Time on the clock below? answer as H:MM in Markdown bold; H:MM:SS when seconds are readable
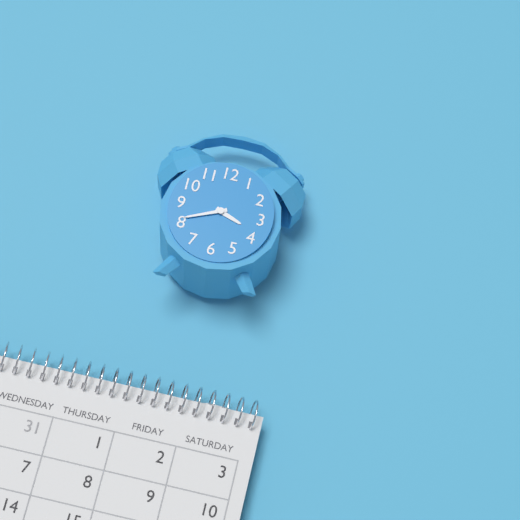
**3:41**
